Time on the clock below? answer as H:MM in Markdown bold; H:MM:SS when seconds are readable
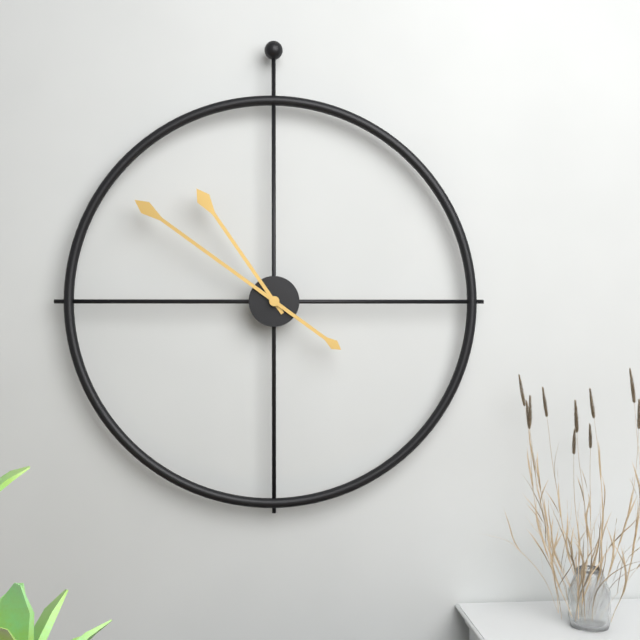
**10:51**
